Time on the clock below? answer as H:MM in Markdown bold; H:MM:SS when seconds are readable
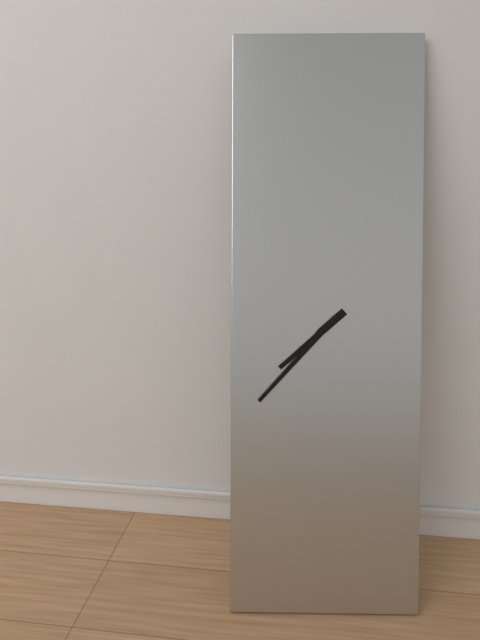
**7:37**
